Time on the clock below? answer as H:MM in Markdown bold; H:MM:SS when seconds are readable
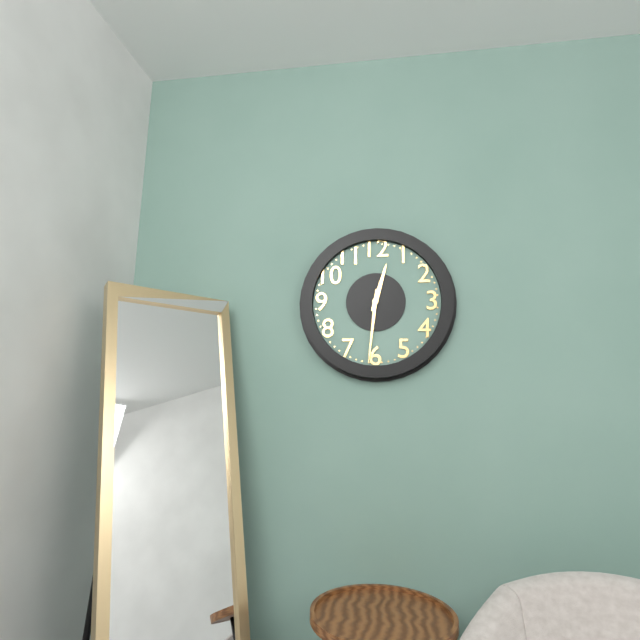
**12:31**
